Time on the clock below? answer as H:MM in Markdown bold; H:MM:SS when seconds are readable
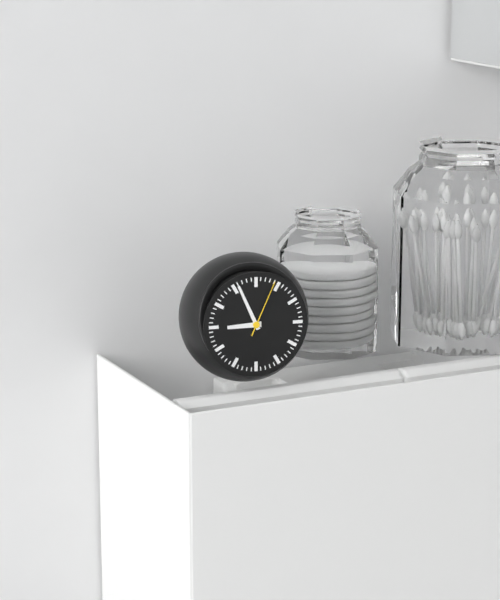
**8:56:04**
